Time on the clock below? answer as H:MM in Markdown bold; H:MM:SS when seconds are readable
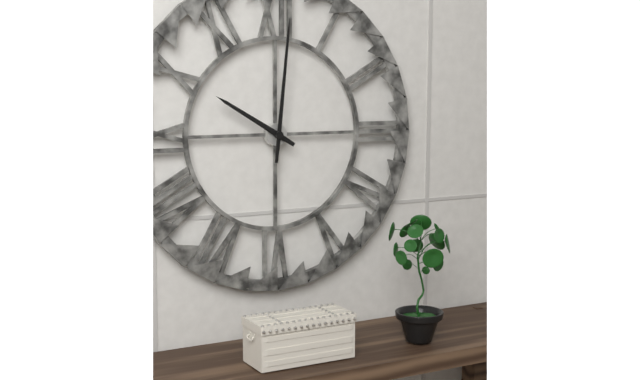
**10:01**
